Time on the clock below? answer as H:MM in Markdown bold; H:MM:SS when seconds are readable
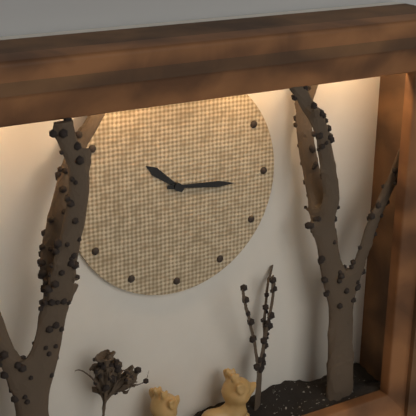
**10:16**
